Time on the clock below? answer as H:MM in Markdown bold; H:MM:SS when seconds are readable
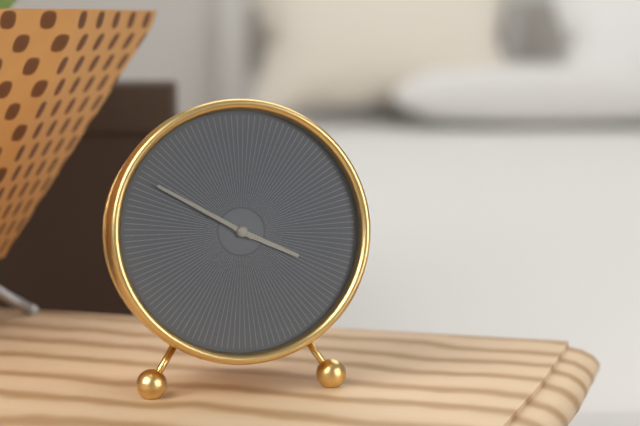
**3:50**
